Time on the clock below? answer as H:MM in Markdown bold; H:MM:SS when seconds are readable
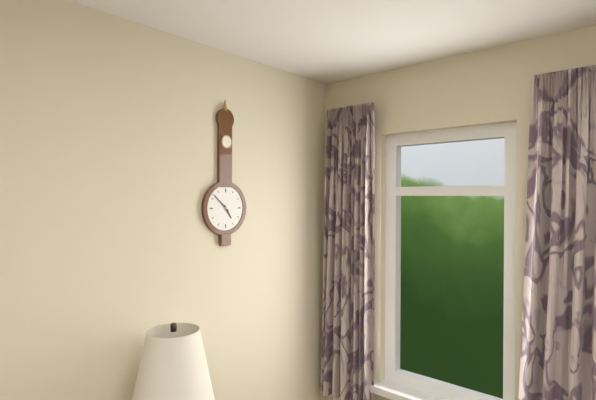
**4:52**
